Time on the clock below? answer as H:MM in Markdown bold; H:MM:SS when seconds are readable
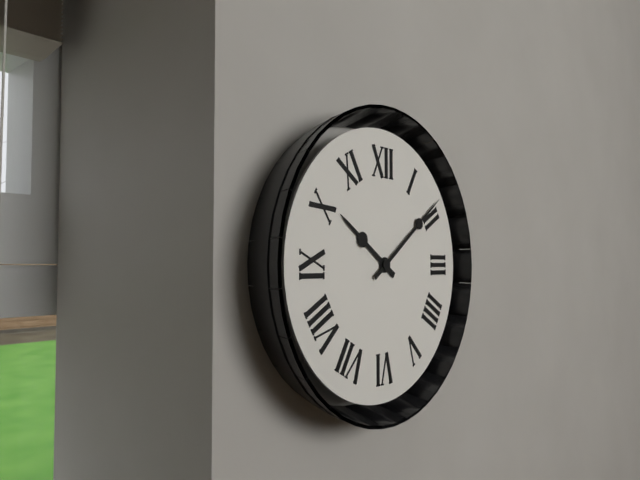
**10:09**
